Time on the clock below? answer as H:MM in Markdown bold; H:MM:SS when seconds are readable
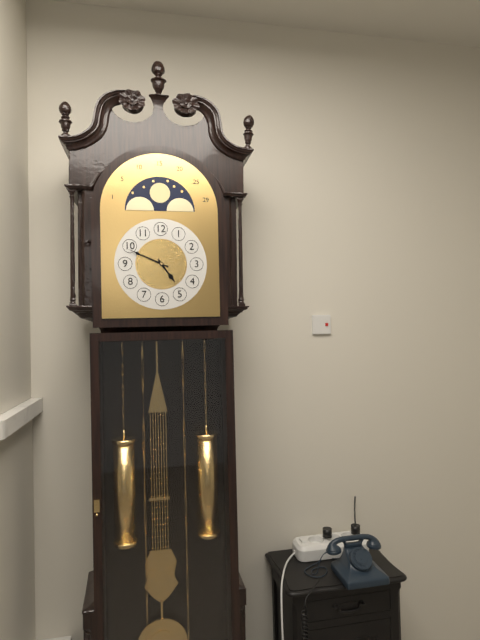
**4:49**
